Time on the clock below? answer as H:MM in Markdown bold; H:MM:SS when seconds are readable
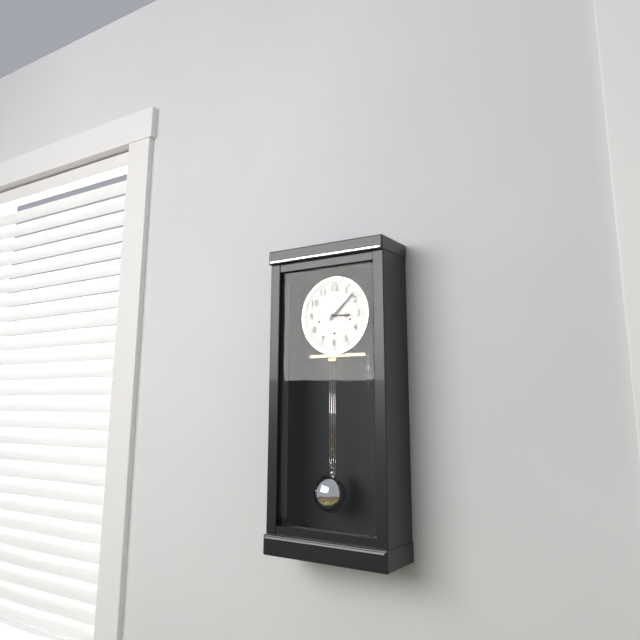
**3:08**
